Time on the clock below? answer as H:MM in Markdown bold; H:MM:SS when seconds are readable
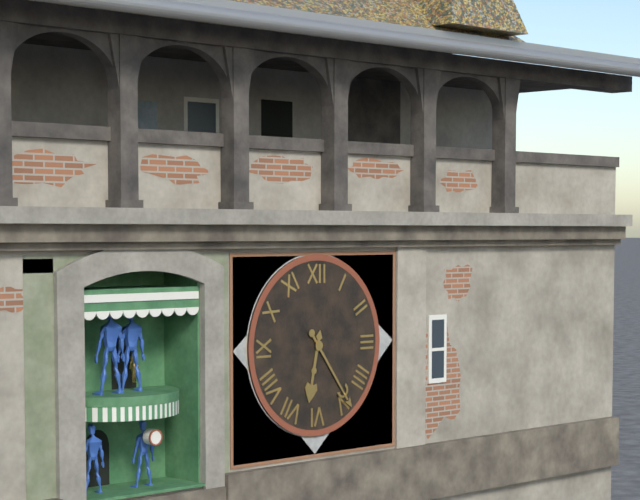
**6:24**
